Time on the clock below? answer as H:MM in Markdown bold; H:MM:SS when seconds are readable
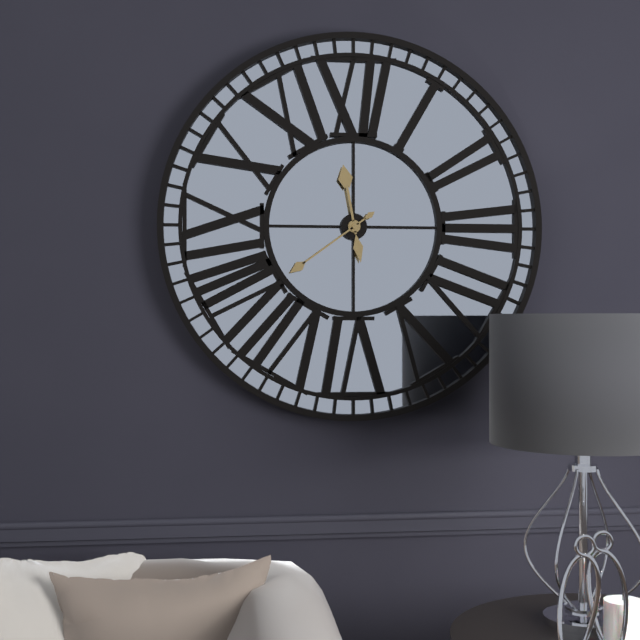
**11:39**
